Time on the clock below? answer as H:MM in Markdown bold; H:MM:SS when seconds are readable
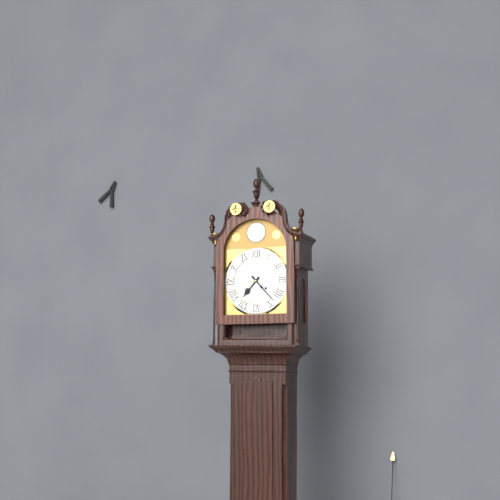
**7:23**
